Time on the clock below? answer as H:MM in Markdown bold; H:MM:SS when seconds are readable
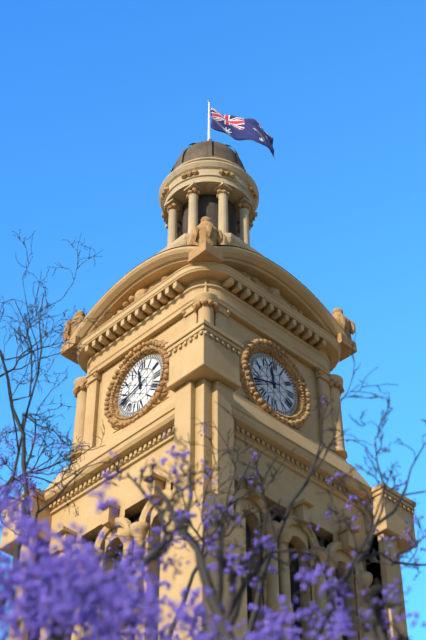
**11:42**
